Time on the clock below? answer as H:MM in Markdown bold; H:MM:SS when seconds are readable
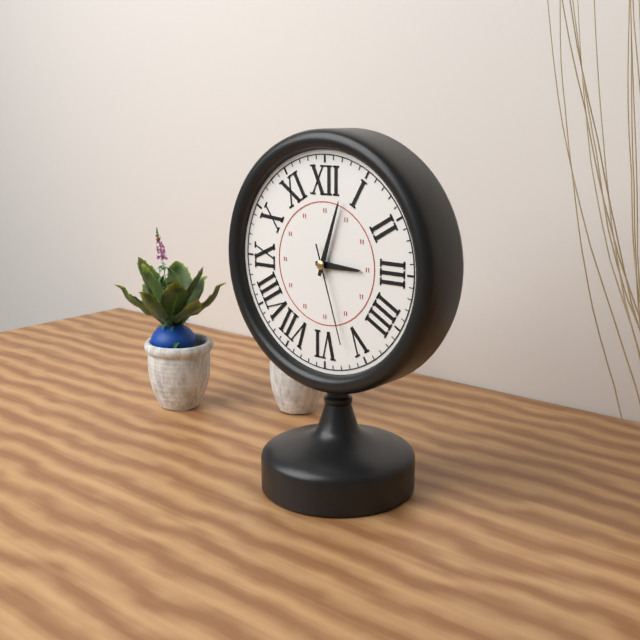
**3:03:27**
